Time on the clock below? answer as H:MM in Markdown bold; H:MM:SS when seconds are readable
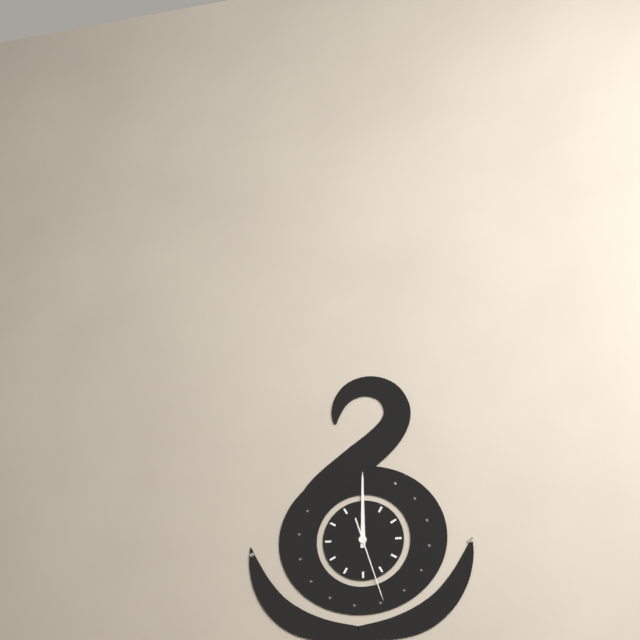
**12:00:27**
